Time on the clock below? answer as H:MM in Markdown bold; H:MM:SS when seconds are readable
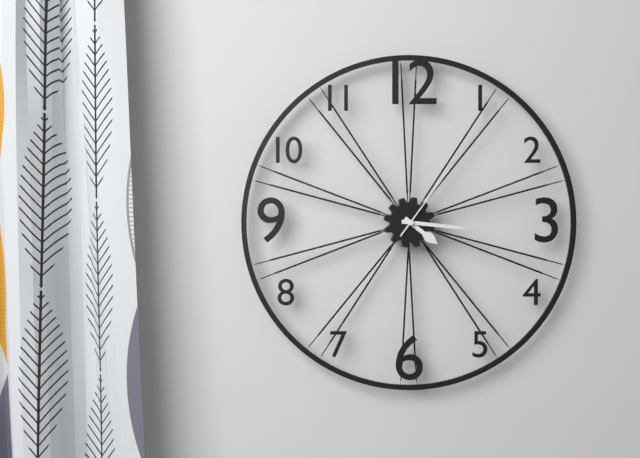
**4:16:06**
